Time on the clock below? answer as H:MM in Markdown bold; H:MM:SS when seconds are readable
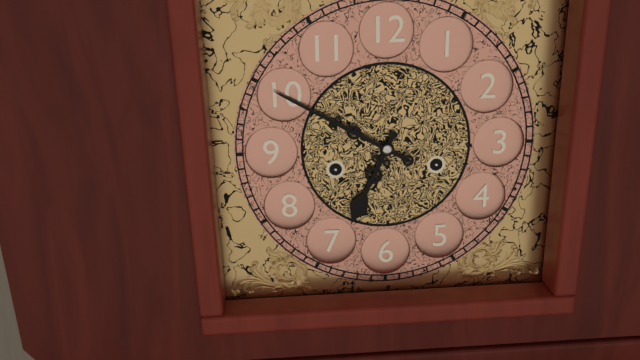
**6:50**
